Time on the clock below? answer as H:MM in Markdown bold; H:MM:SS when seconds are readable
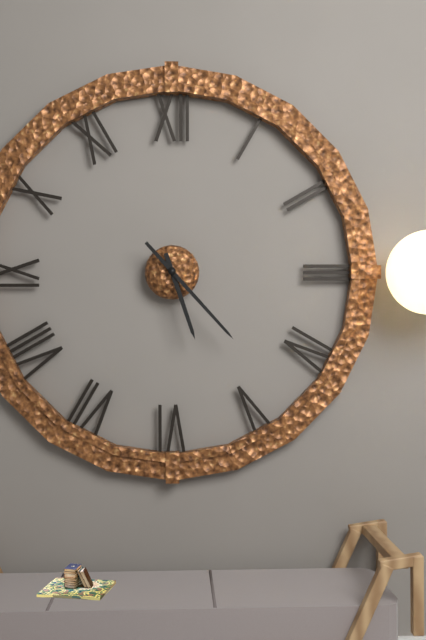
**5:23**
